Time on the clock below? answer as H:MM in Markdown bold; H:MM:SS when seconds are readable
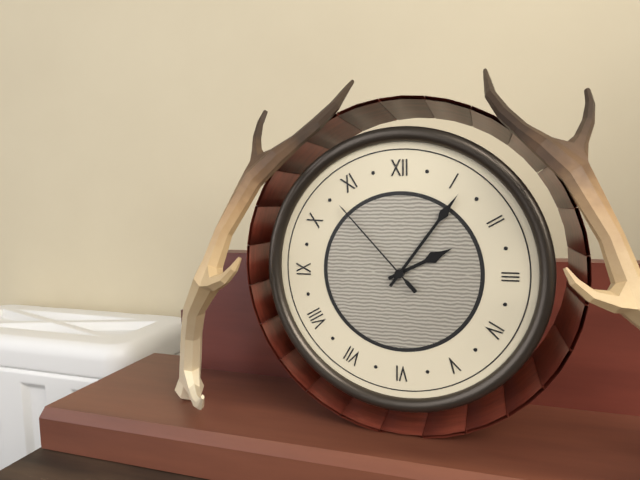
**2:06:53**
